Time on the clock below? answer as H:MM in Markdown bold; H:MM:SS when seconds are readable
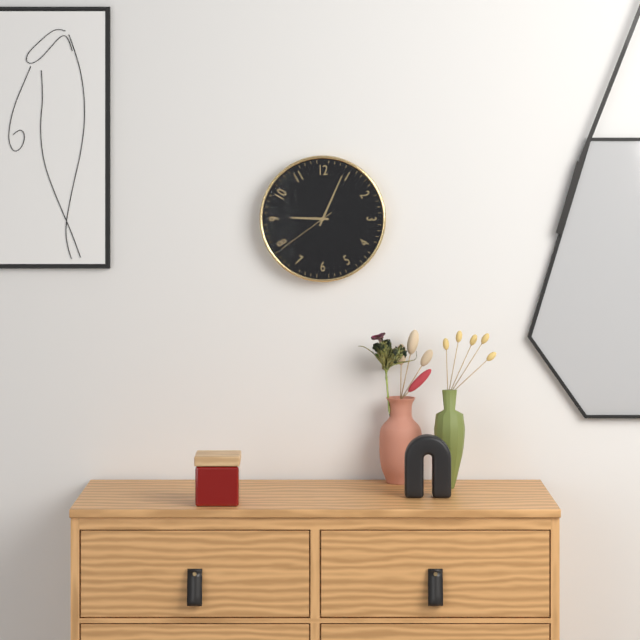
**9:04:39**
